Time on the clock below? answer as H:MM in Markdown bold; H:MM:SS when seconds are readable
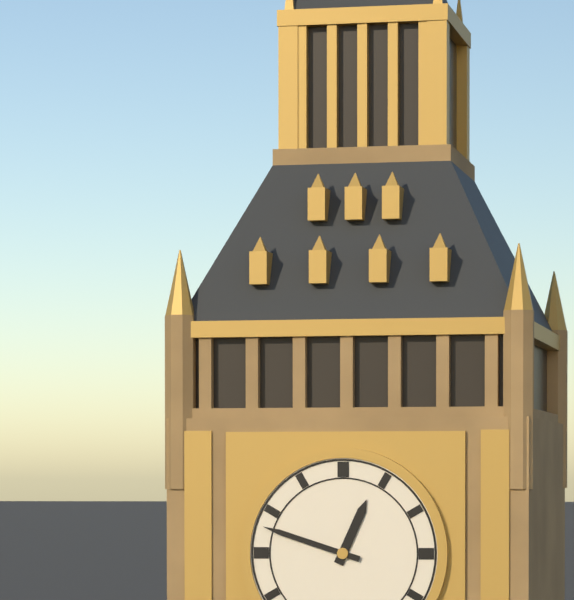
**12:48**
